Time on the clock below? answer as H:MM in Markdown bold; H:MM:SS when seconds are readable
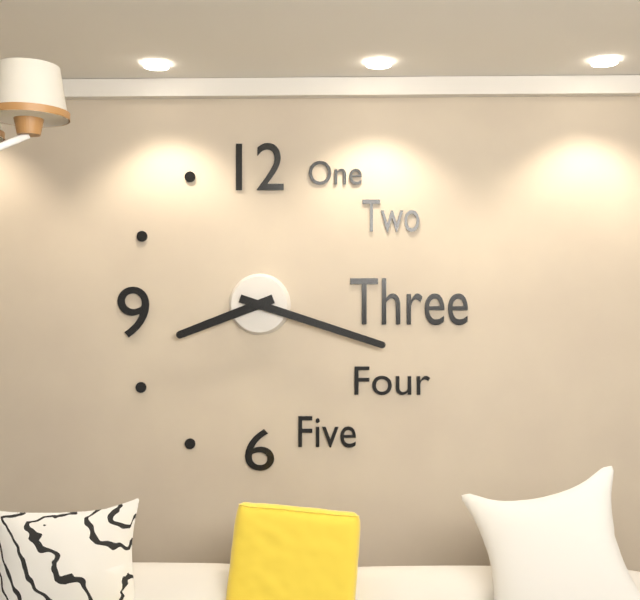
**8:18**
